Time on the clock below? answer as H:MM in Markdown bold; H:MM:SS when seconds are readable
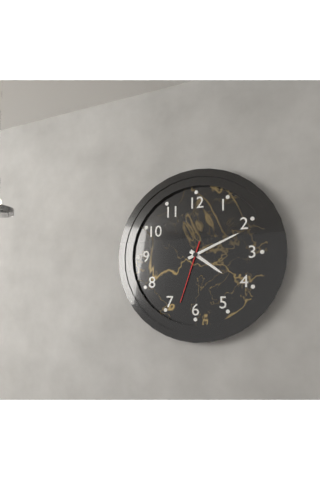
**4:11:33**
